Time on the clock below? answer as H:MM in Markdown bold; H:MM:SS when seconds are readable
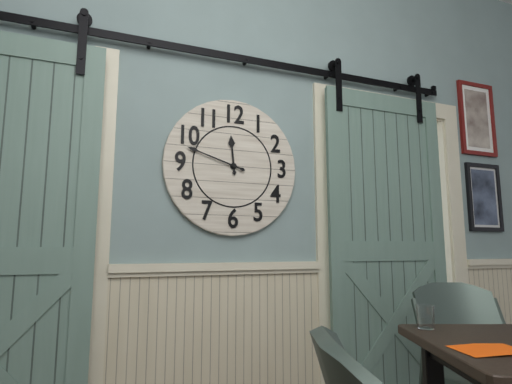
**11:48**
